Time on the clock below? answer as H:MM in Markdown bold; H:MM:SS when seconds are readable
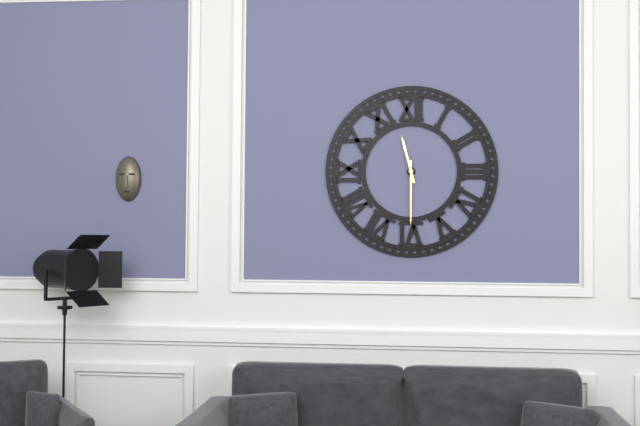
**11:30**
